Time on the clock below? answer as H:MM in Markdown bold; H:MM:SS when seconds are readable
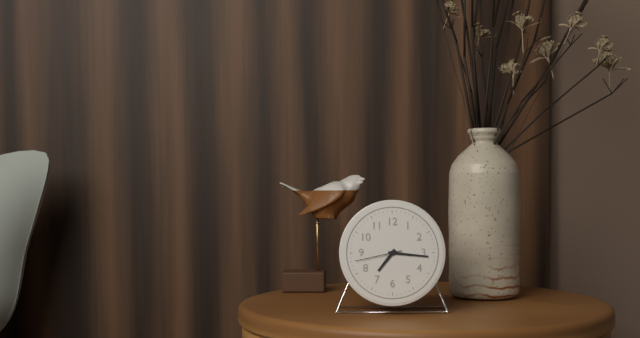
**7:16**
